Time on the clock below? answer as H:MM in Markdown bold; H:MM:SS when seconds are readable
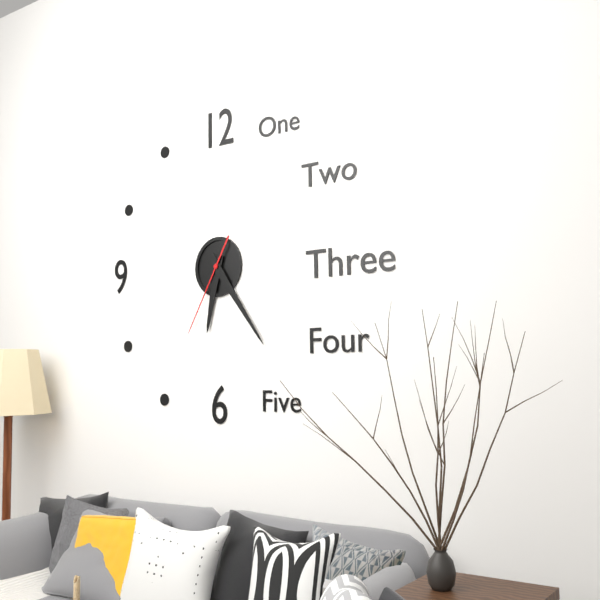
**6:24:35**
